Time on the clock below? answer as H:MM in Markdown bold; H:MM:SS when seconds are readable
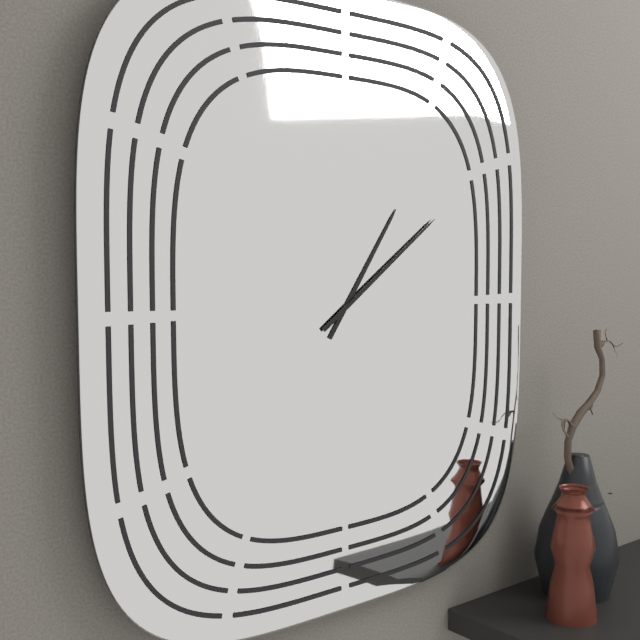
**1:09**
